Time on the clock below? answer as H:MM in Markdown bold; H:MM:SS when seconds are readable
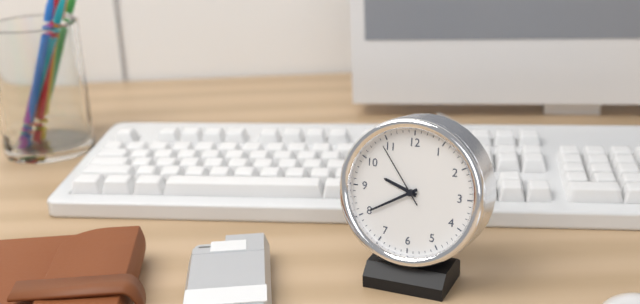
**9:40:54**
